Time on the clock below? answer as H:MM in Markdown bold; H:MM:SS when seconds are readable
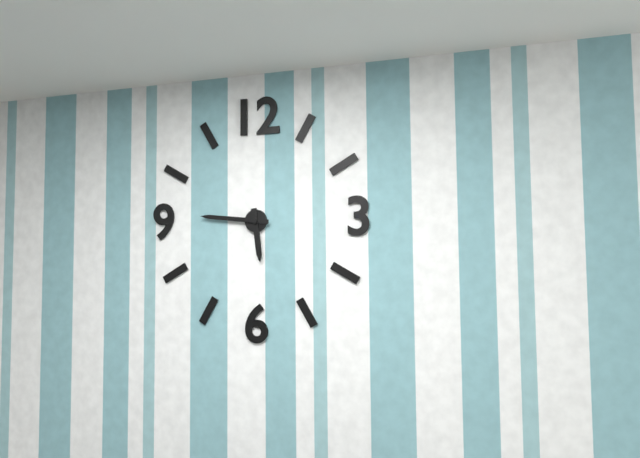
**5:46**
